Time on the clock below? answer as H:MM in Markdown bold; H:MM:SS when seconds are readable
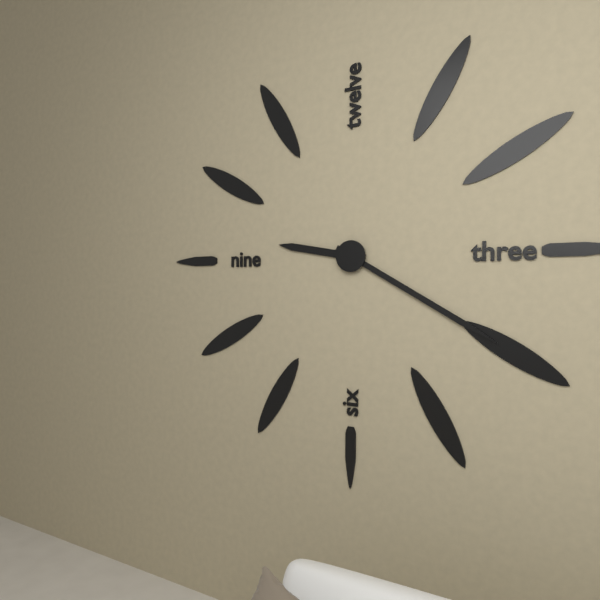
**9:20**
